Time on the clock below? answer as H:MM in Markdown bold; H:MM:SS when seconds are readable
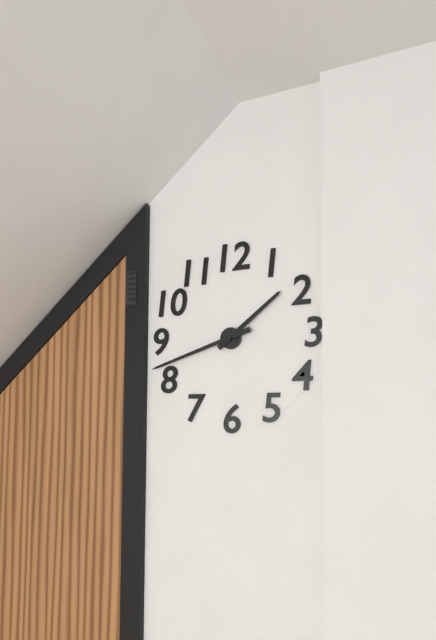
**1:42**
